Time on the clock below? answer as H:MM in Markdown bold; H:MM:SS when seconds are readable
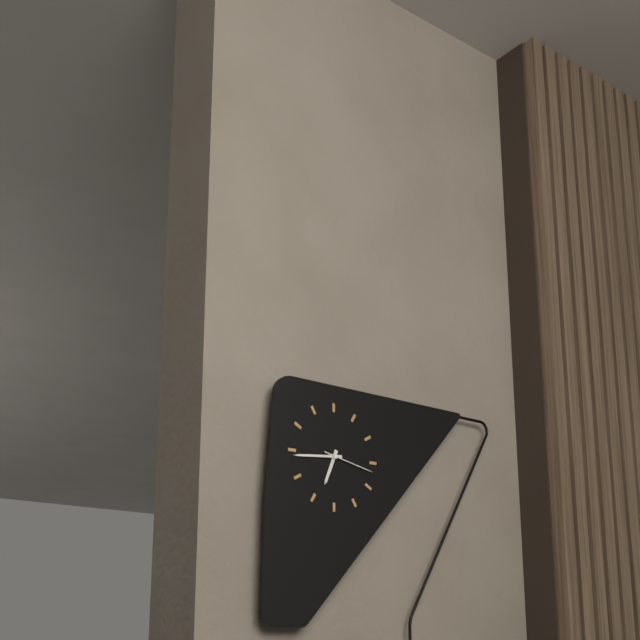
**6:44:17**
